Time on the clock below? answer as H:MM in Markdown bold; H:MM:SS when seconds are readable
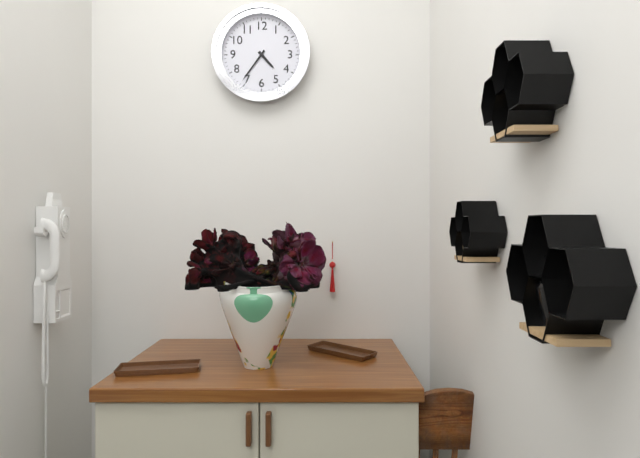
**4:36**
